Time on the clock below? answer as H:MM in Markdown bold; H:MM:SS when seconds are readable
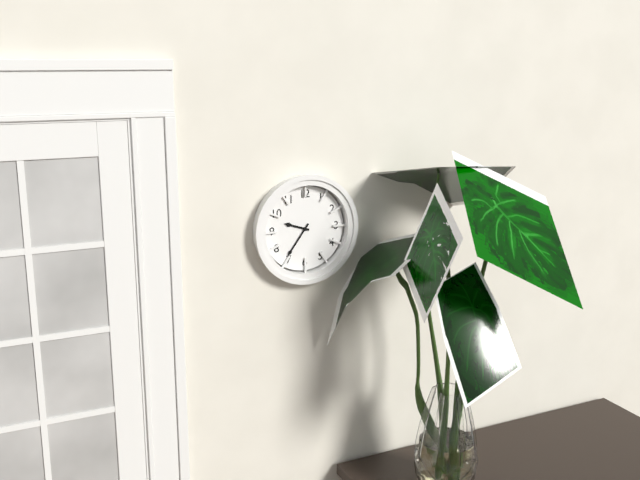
**9:36**
